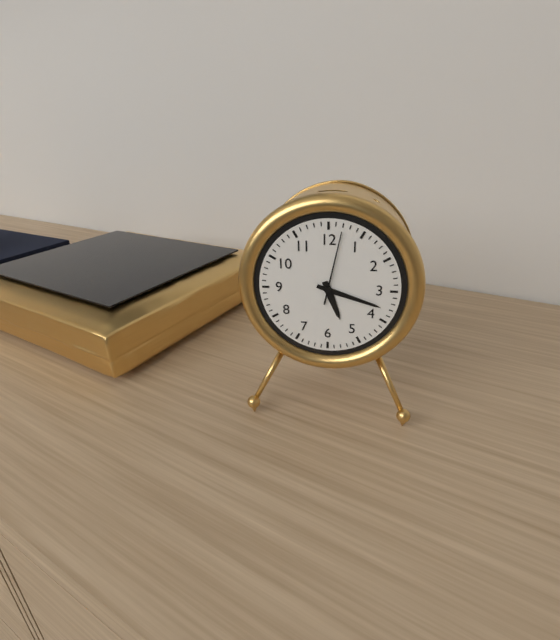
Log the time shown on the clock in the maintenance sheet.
5:18:02
